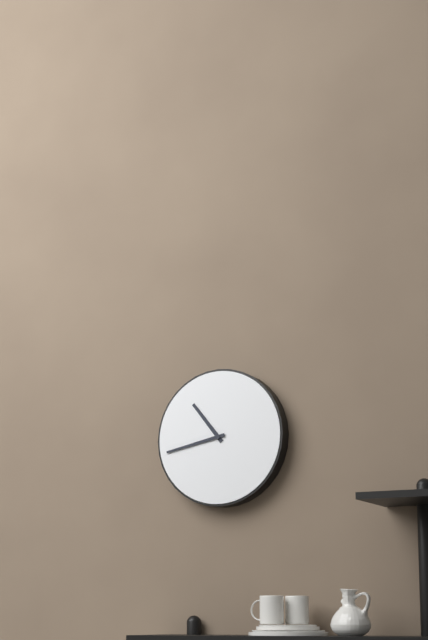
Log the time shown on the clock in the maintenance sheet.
10:43
